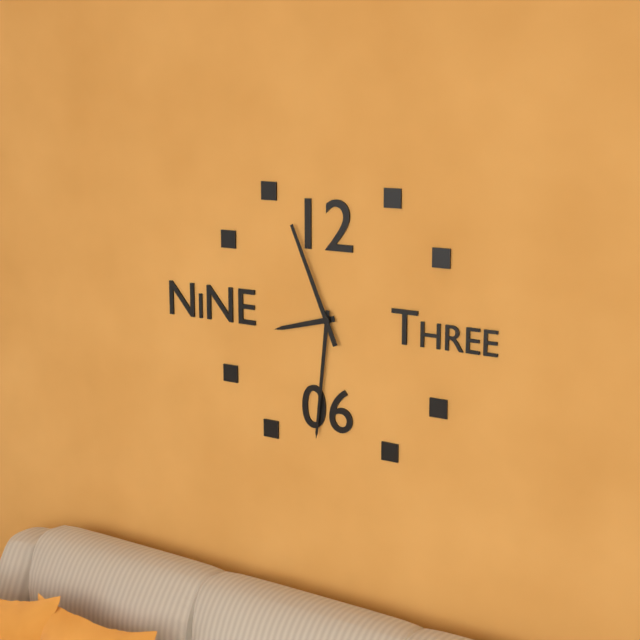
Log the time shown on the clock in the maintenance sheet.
8:31:56
